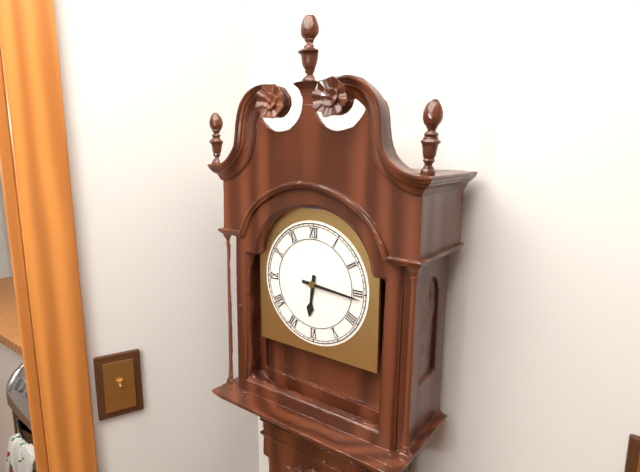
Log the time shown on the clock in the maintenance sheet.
6:16
